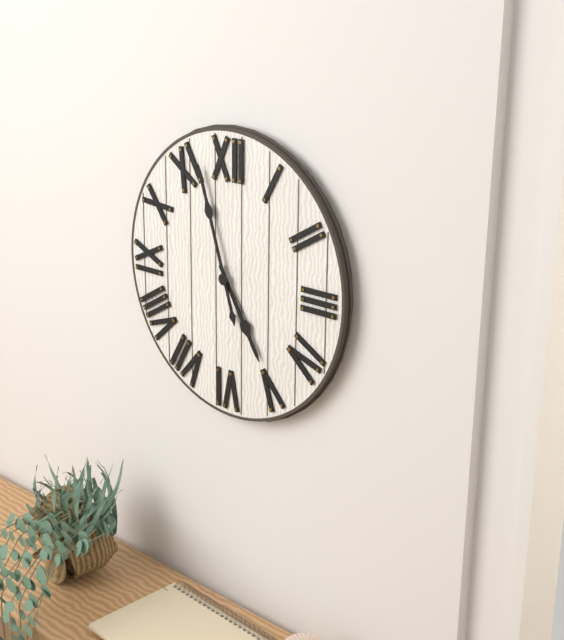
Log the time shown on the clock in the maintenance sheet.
4:57
